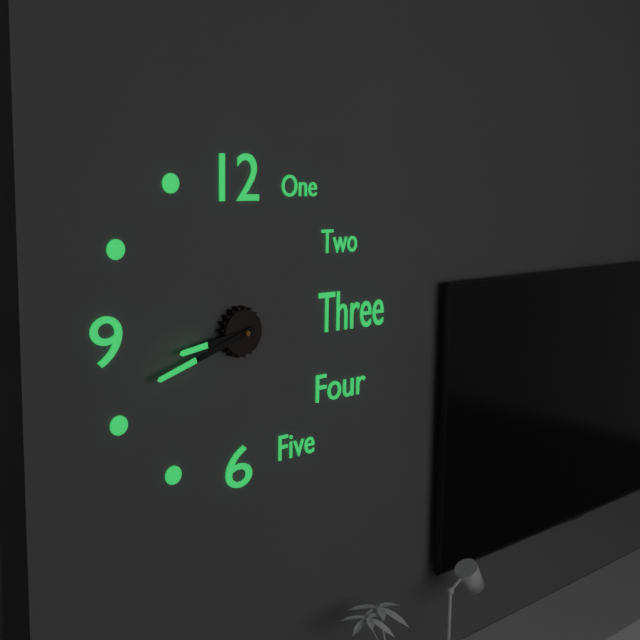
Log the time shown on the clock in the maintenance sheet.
8:42
